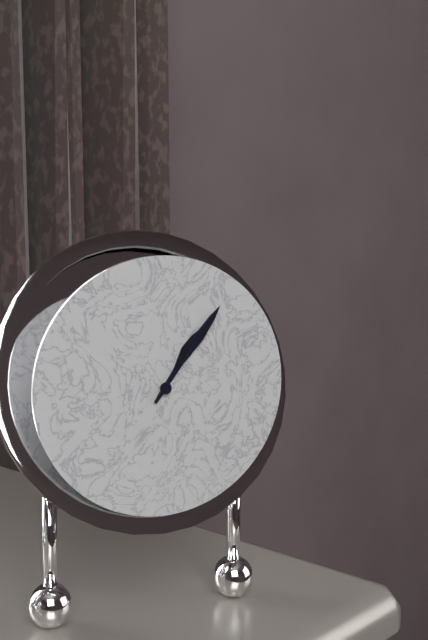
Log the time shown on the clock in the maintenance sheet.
1:06
